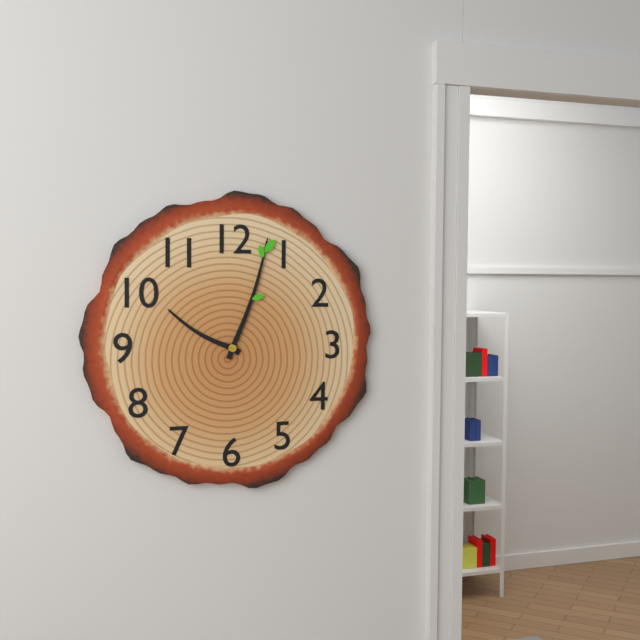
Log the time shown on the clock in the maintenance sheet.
10:03
